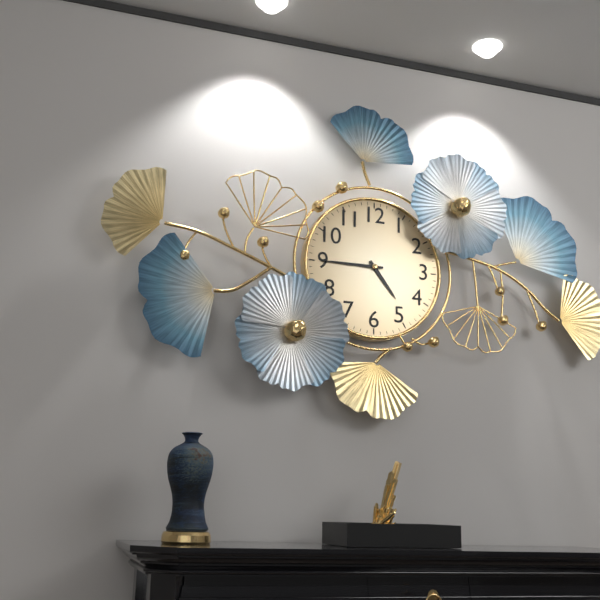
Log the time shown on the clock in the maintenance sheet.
4:45
